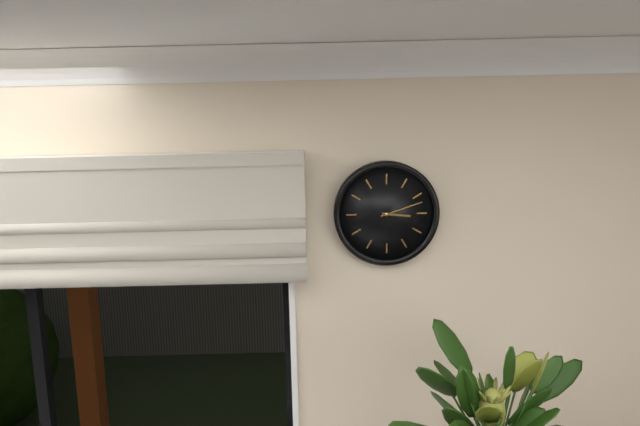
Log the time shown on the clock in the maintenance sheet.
3:12
